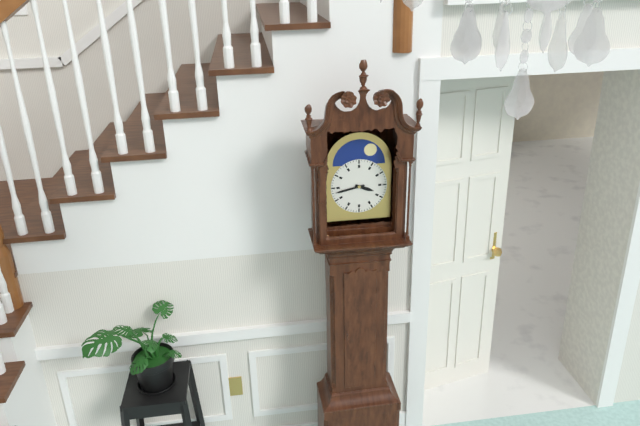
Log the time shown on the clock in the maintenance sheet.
3:43
